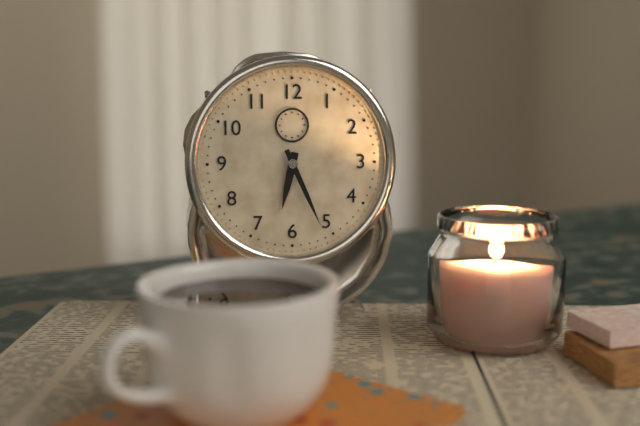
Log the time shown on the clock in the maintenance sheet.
6:26
